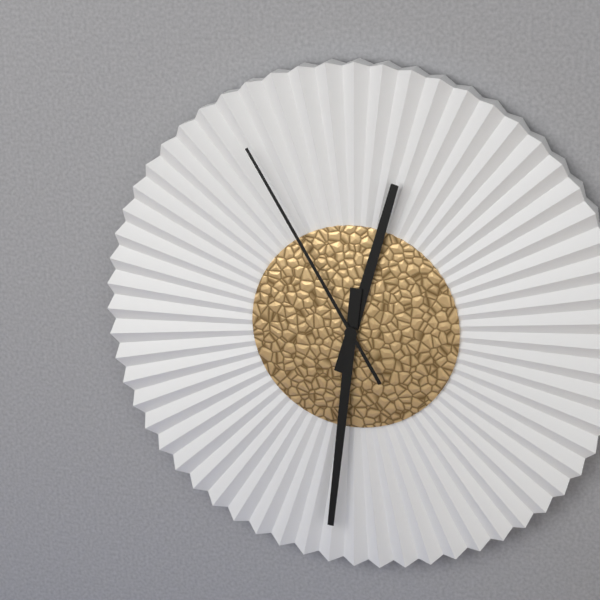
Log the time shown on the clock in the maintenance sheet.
12:31:55
